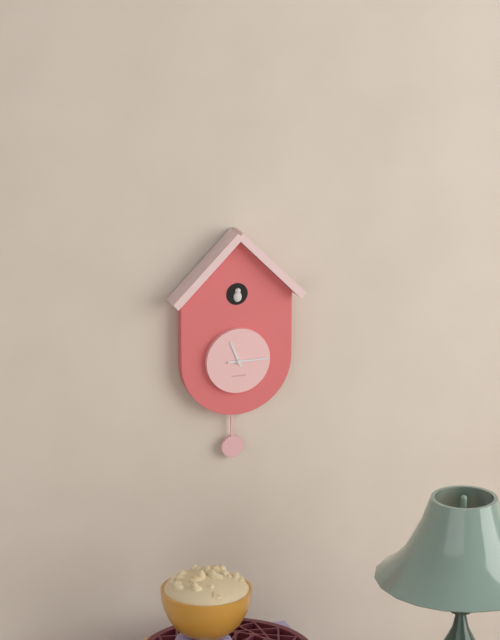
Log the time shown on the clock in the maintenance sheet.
11:15
